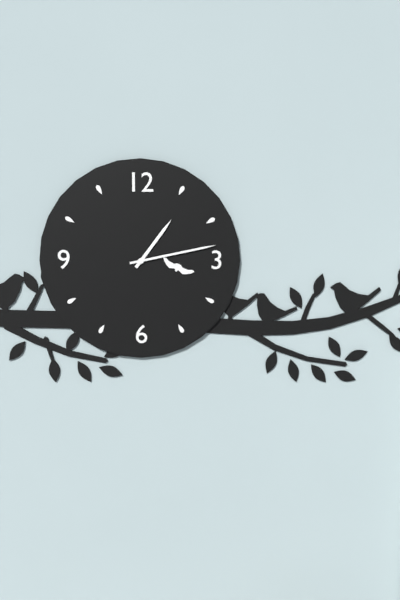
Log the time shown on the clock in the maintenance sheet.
1:13
